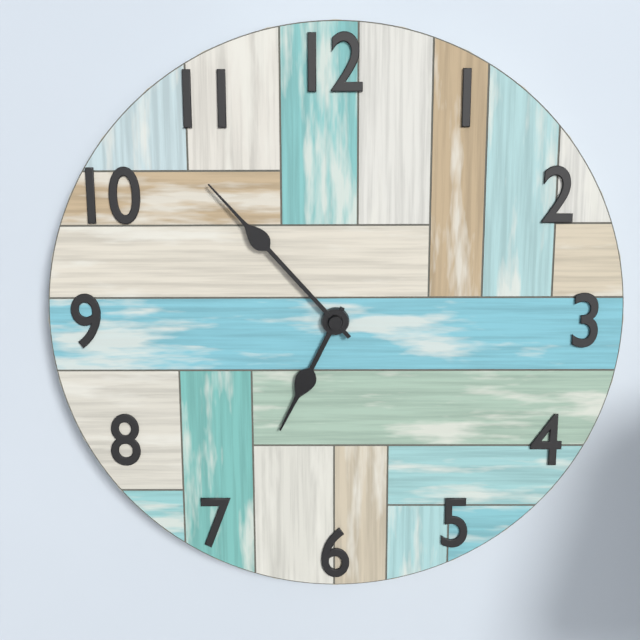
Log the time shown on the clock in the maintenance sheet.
6:53
